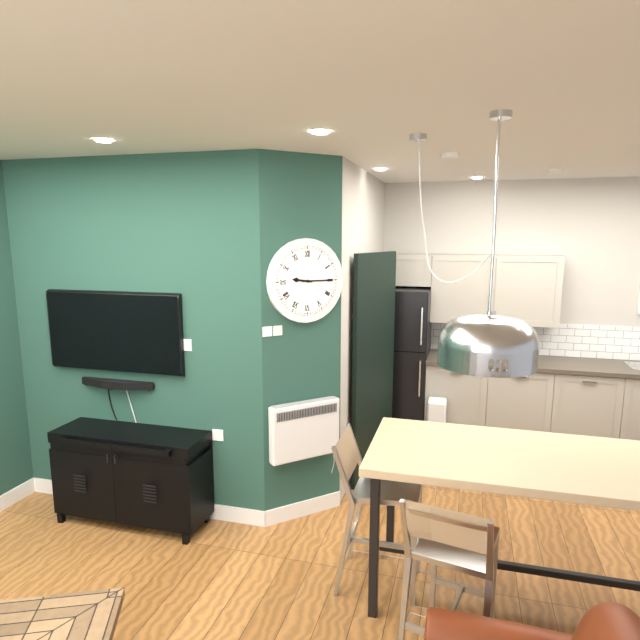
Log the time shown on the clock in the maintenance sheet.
9:15
